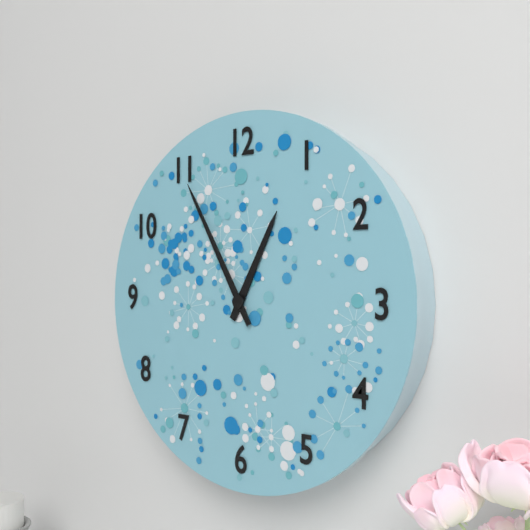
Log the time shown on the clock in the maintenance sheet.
12:55
